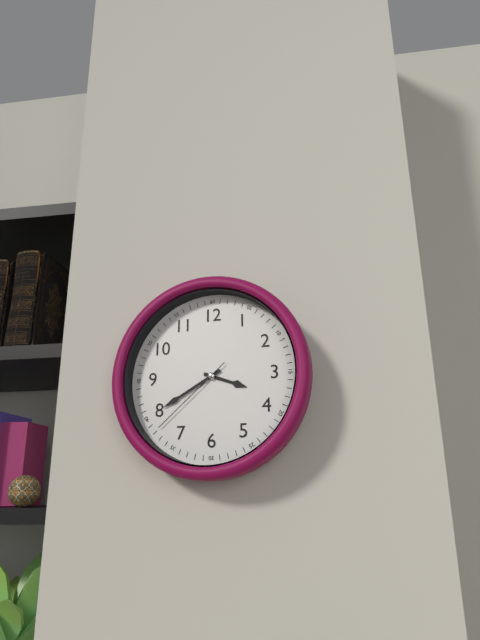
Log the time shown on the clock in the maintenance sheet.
3:40:38
